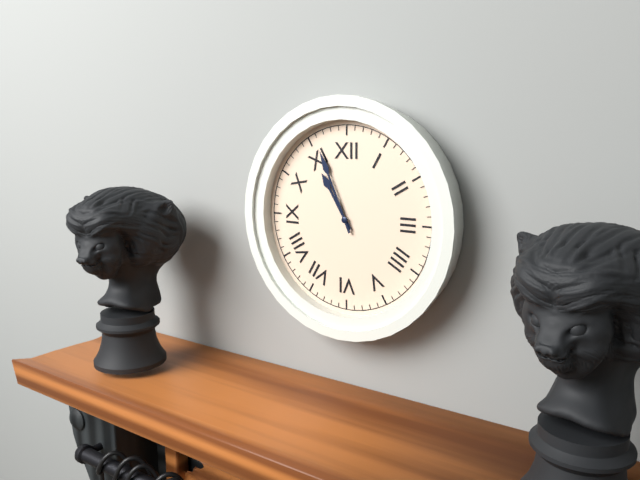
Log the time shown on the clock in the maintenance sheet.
10:56
